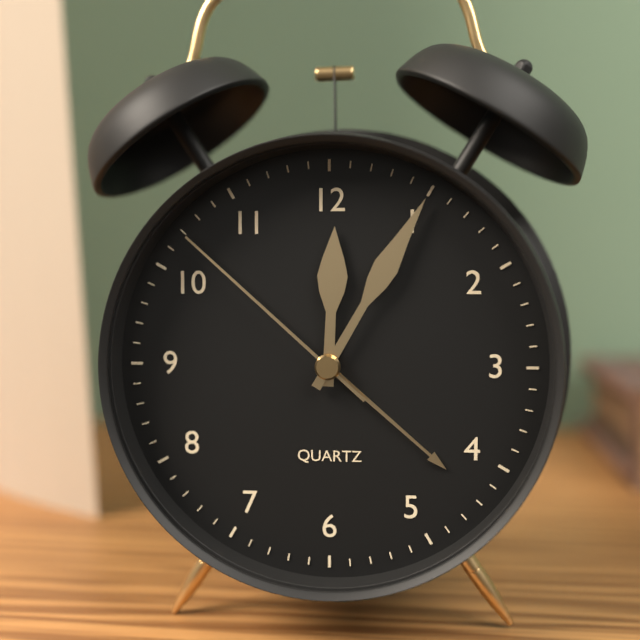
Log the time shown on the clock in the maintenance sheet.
12:05:52
